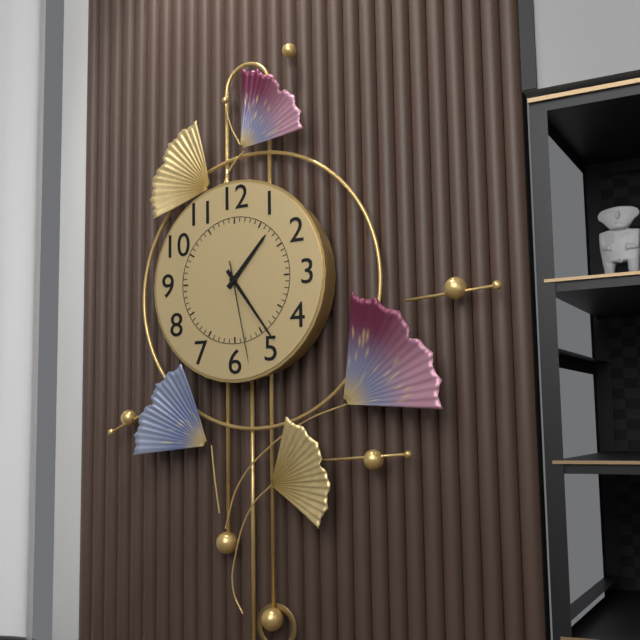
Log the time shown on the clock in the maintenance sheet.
1:24:28
